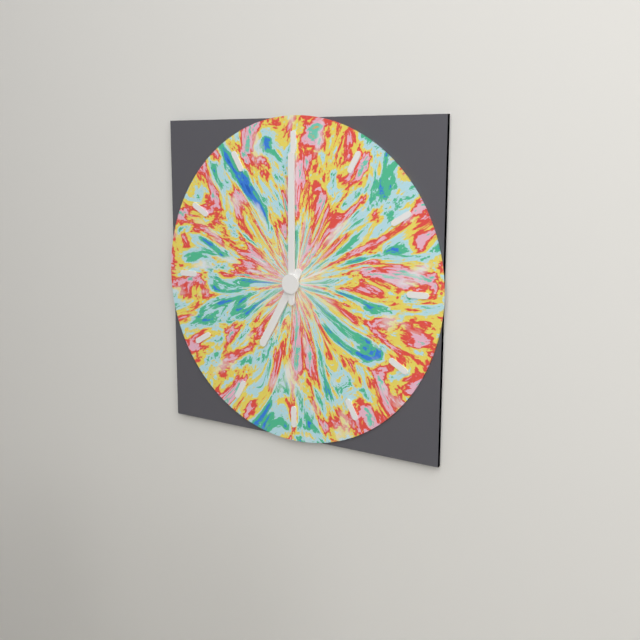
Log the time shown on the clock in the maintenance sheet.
7:00
